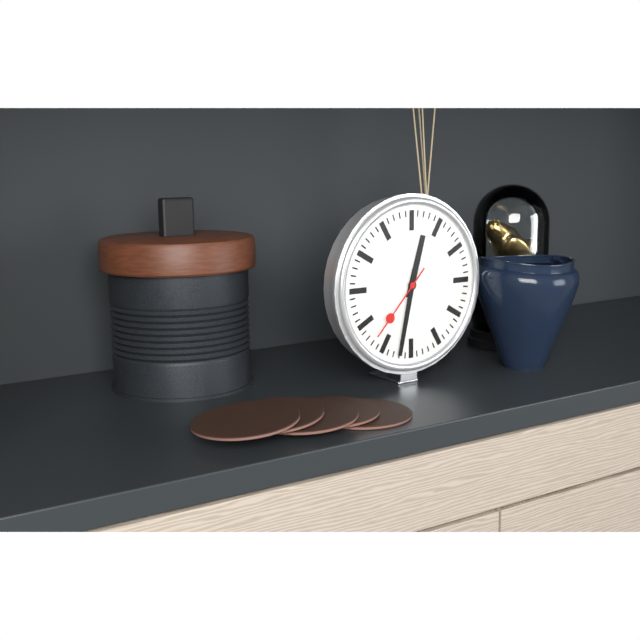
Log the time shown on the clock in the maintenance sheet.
12:32:37
